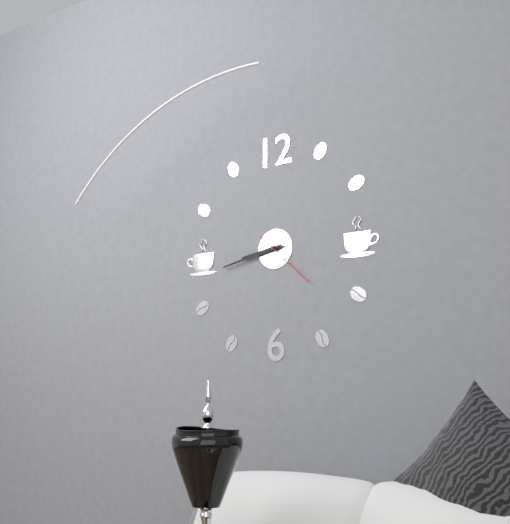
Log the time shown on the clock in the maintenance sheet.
8:43:22
